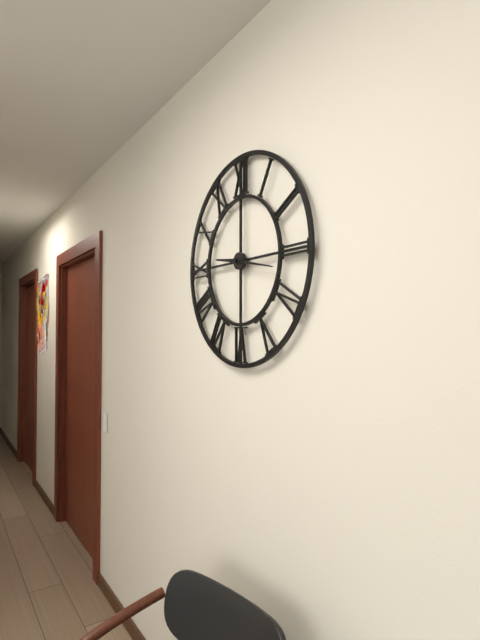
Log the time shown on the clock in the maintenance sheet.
9:17
